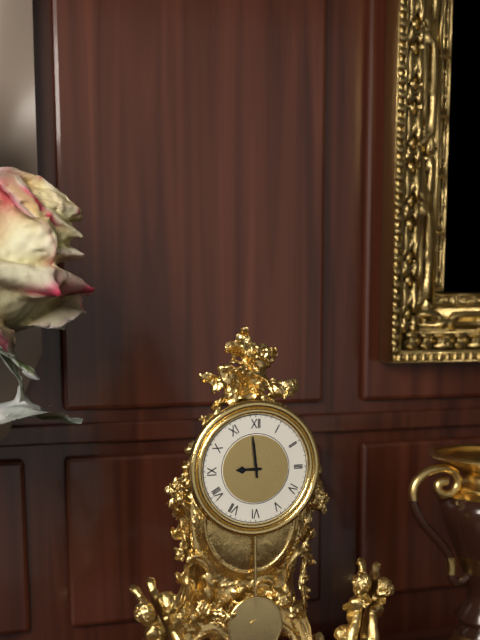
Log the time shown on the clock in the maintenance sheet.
8:59
